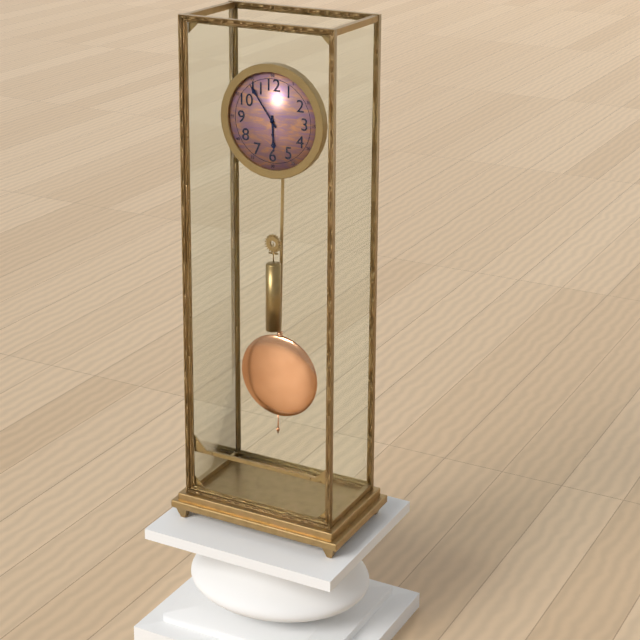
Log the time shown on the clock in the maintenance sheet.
5:54
